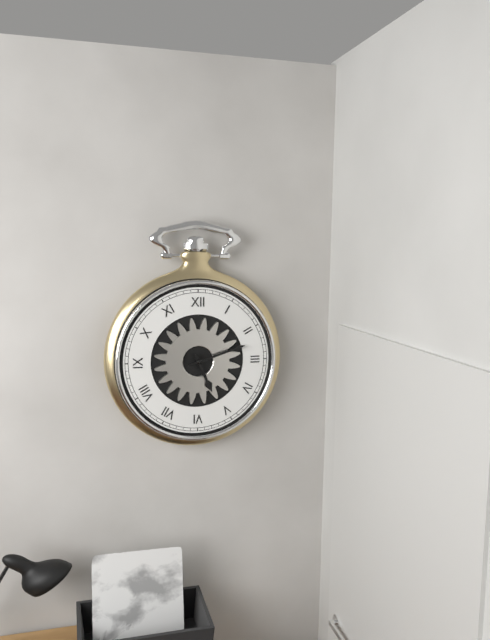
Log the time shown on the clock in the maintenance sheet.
5:12
